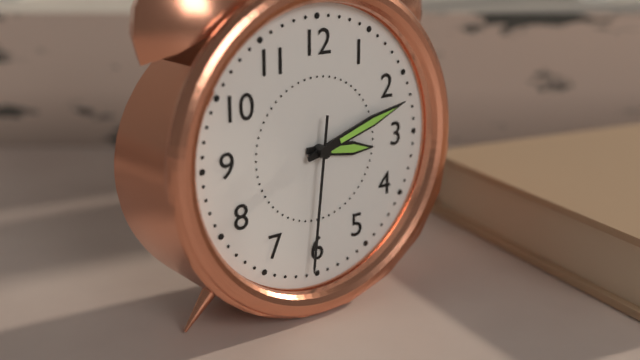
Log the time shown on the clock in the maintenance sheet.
3:12:31
